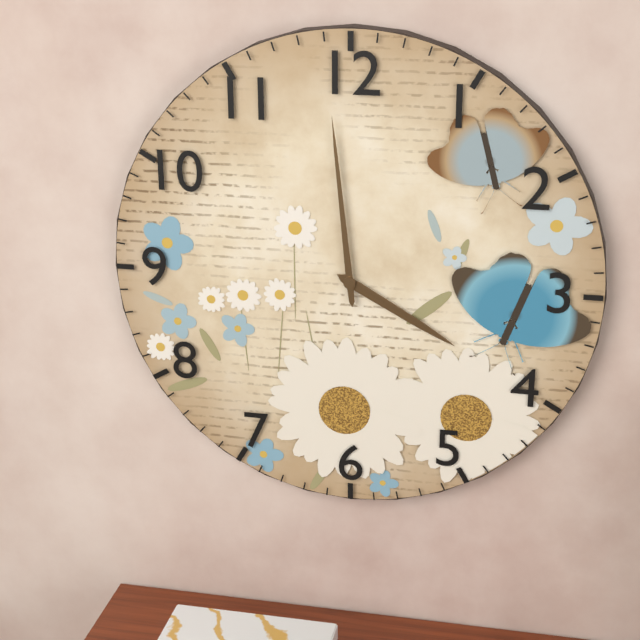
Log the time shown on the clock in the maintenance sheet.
3:59
